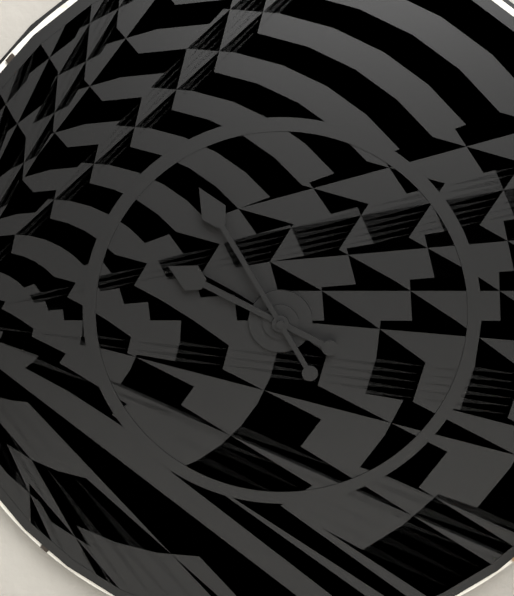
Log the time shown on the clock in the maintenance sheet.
9:55
